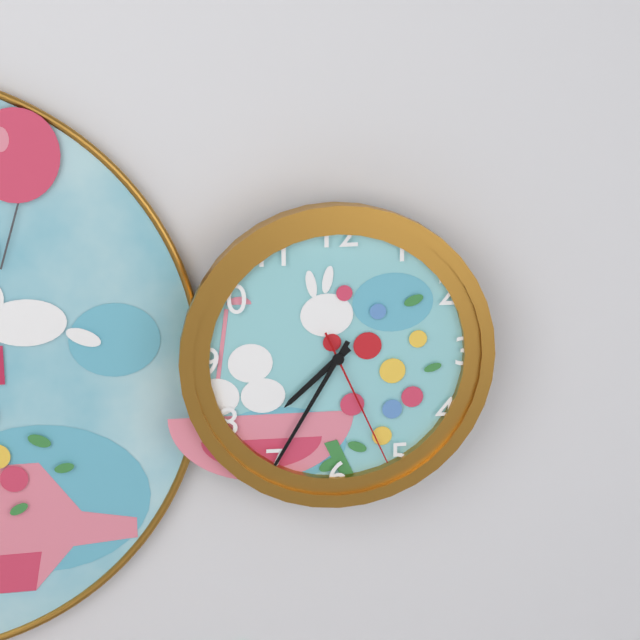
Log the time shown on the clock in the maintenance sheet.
7:35:26
